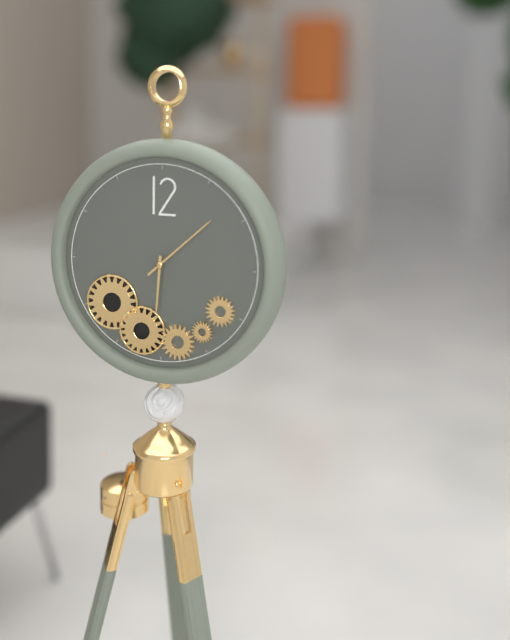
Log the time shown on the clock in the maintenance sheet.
6:08
